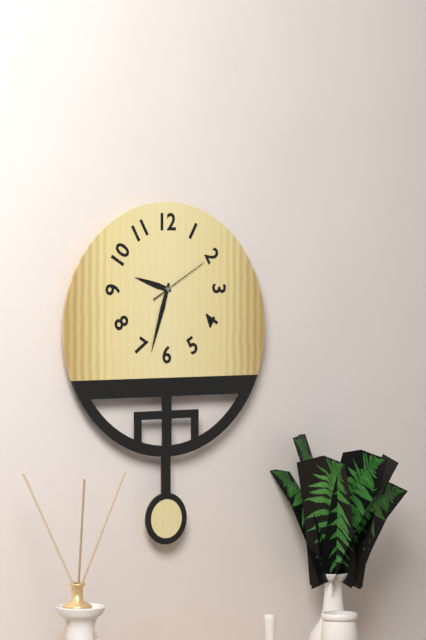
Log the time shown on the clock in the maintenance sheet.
9:33:10
